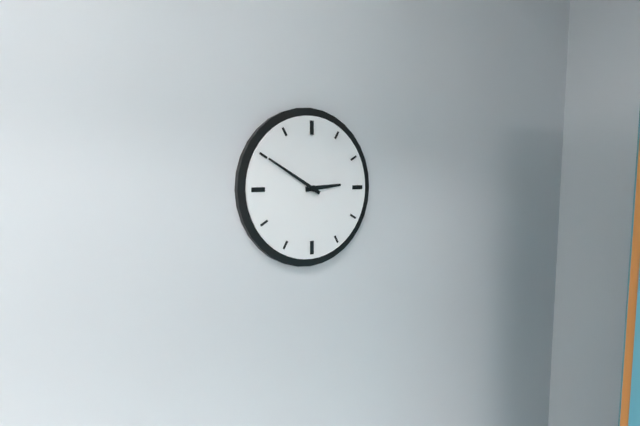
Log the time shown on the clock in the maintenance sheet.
2:50
